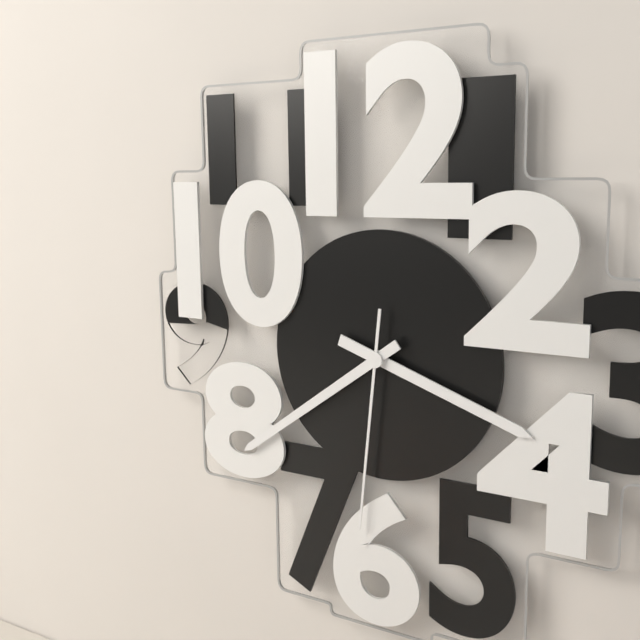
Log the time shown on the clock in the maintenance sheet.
3:39:31
